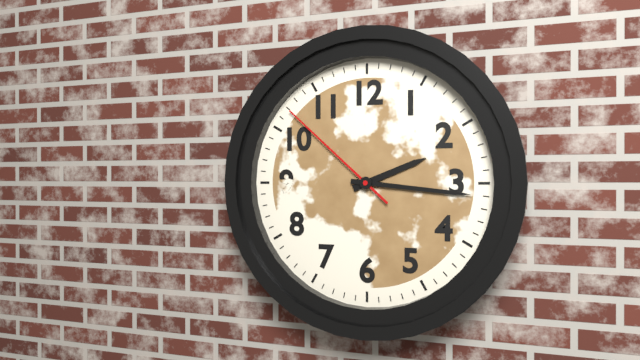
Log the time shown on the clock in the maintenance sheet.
2:16:52
